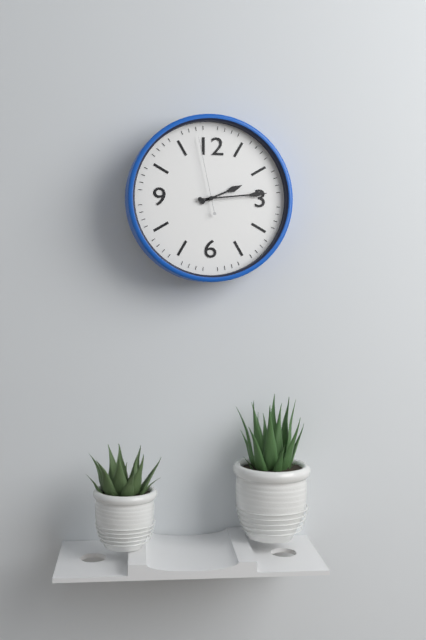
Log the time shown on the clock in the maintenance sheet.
2:14:58
